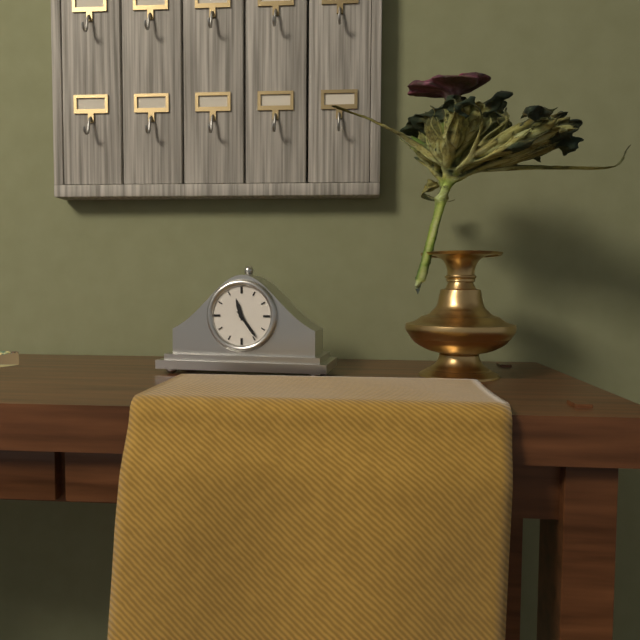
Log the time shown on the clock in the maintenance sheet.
11:24
